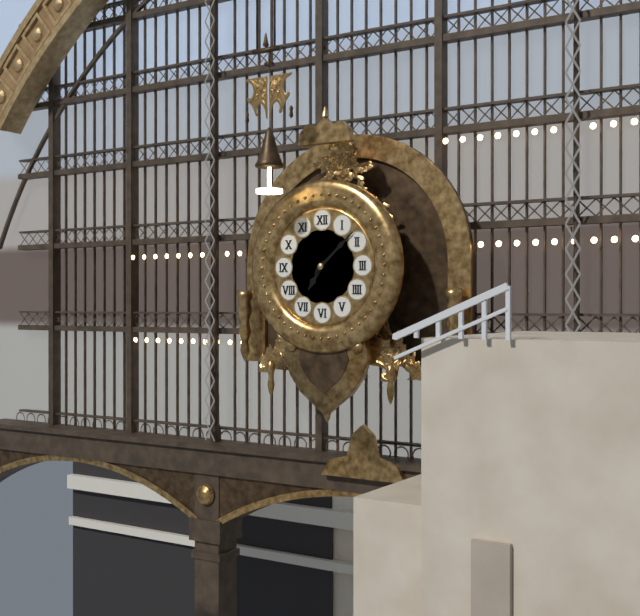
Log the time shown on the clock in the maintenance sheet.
7:08
